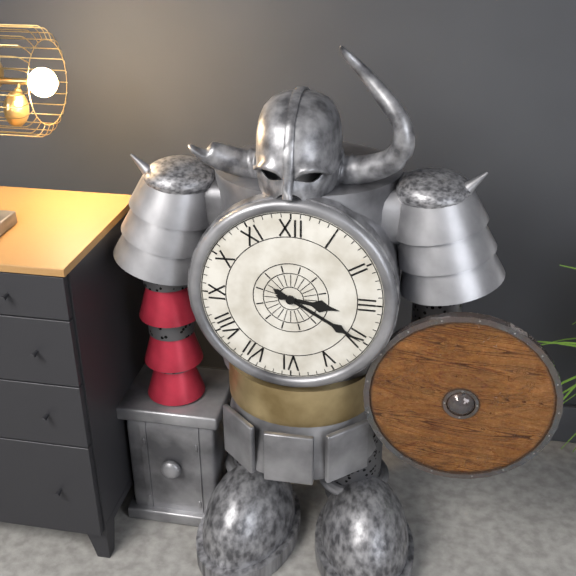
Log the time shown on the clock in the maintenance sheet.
3:20
